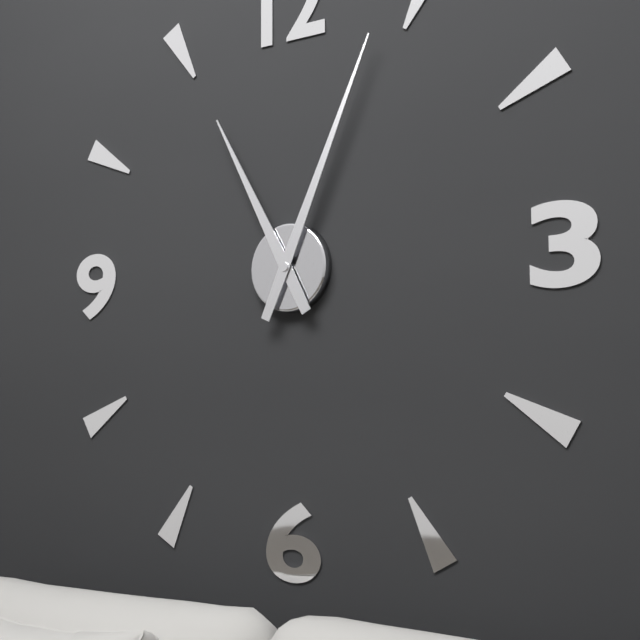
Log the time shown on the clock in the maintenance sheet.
11:04
